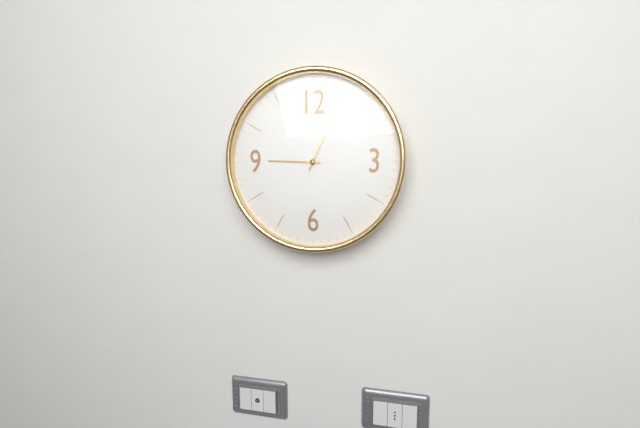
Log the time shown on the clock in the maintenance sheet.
9:04
